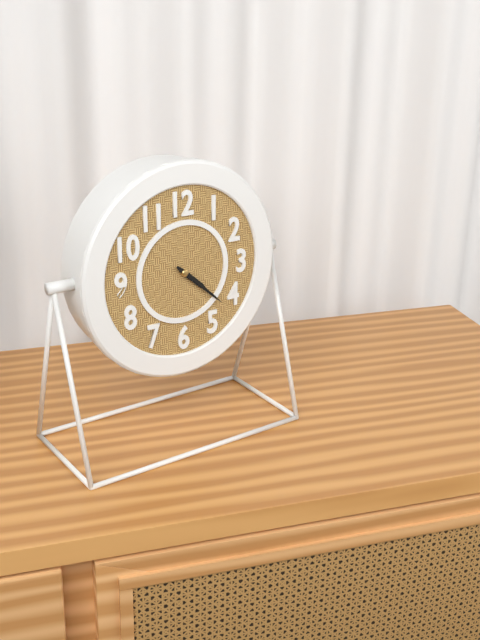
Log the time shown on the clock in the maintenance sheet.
4:22
